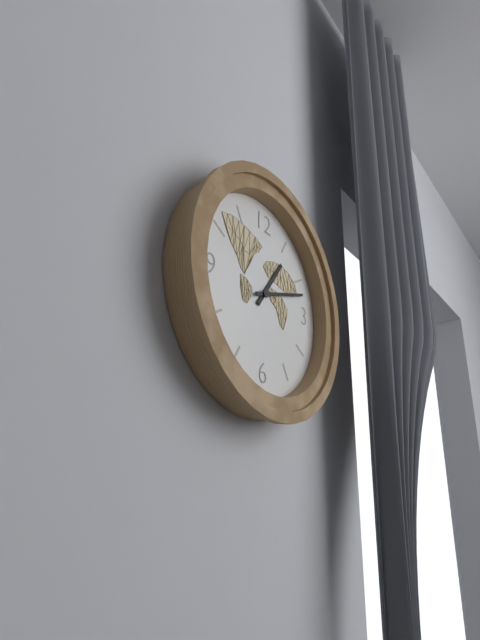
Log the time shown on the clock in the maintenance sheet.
1:12
